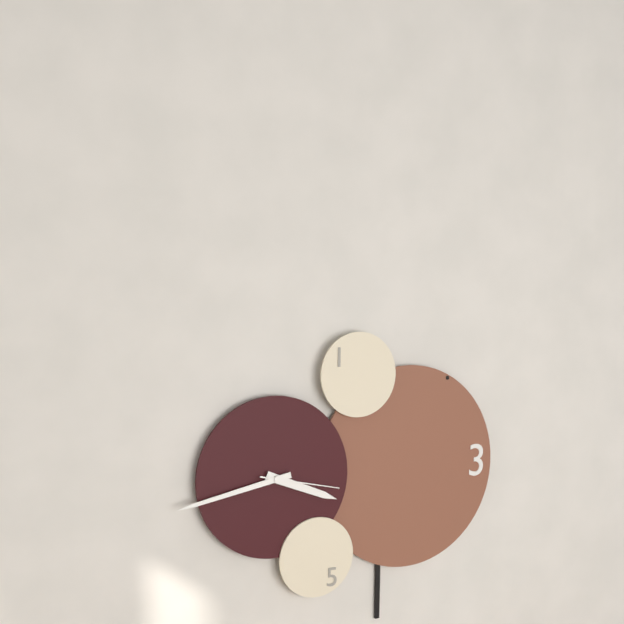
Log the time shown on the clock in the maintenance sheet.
3:43:17
